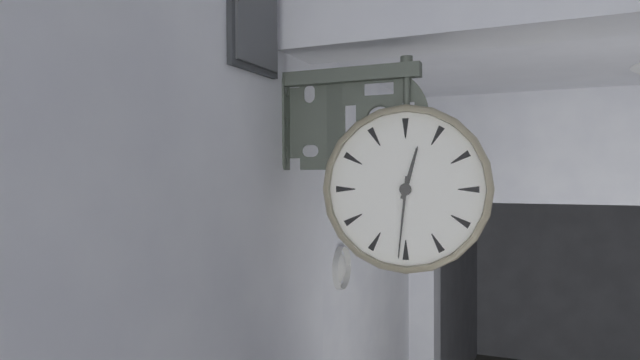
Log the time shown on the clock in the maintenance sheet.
12:31
